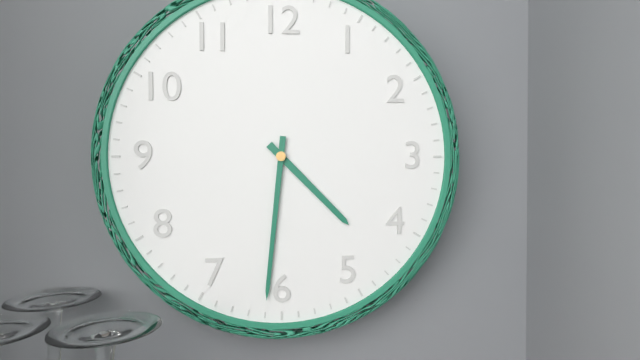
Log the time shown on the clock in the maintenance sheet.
4:31
